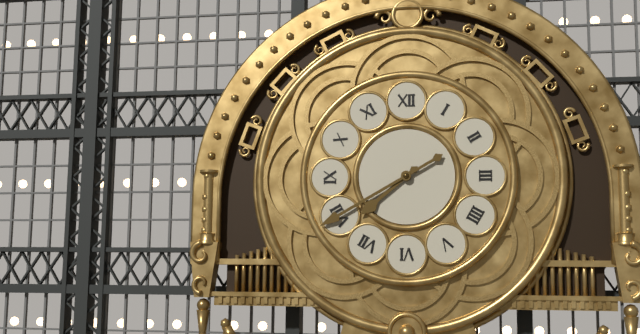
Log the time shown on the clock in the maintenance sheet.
7:40
